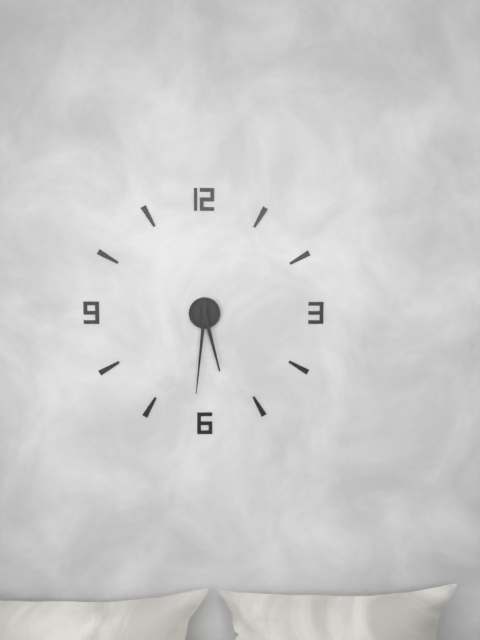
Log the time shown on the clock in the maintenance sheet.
5:31
